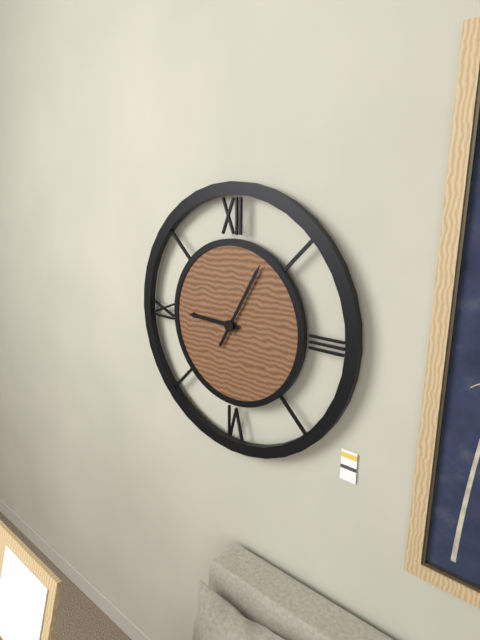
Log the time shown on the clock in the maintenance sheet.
9:05
